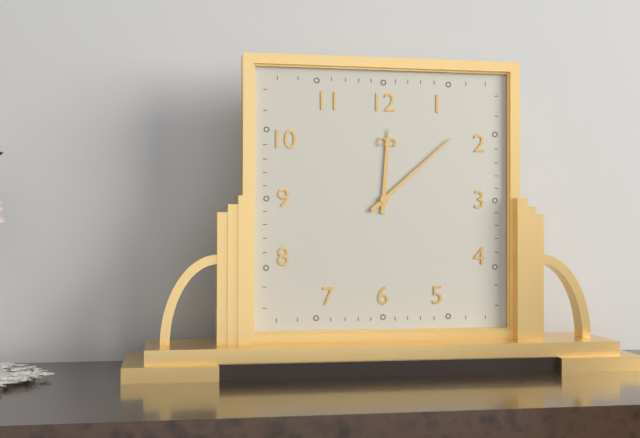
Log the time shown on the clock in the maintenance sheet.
12:08
